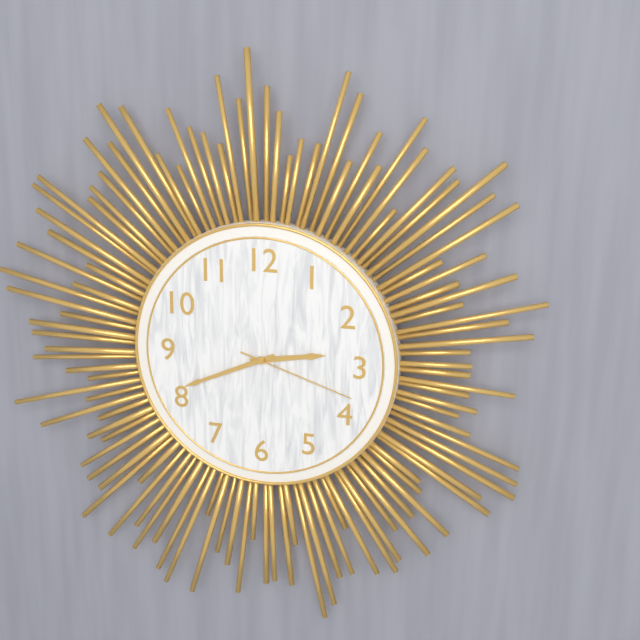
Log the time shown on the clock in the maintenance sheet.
2:41:18
